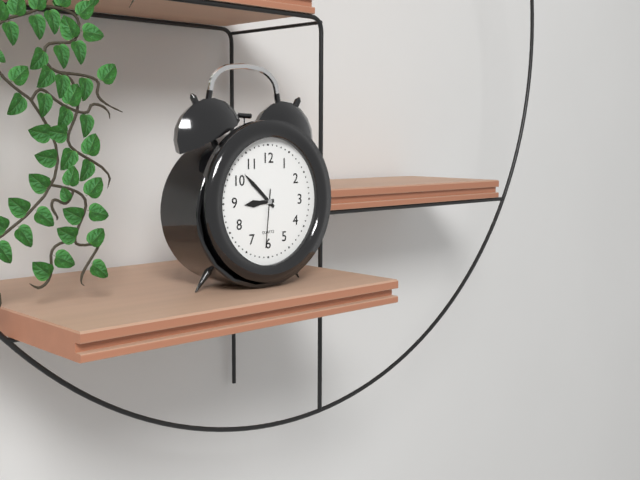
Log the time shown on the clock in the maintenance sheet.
8:52:31
